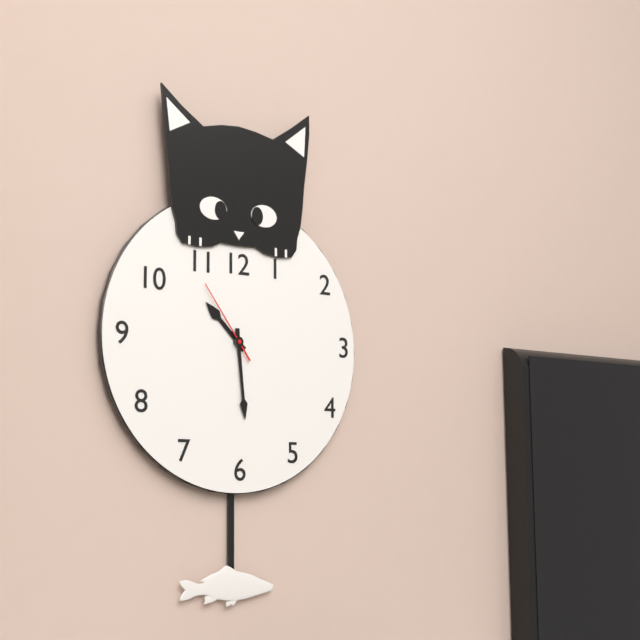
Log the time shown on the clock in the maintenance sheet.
10:29:54
